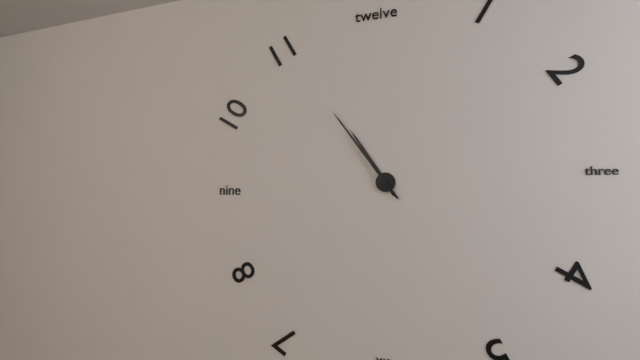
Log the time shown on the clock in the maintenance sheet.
10:54
